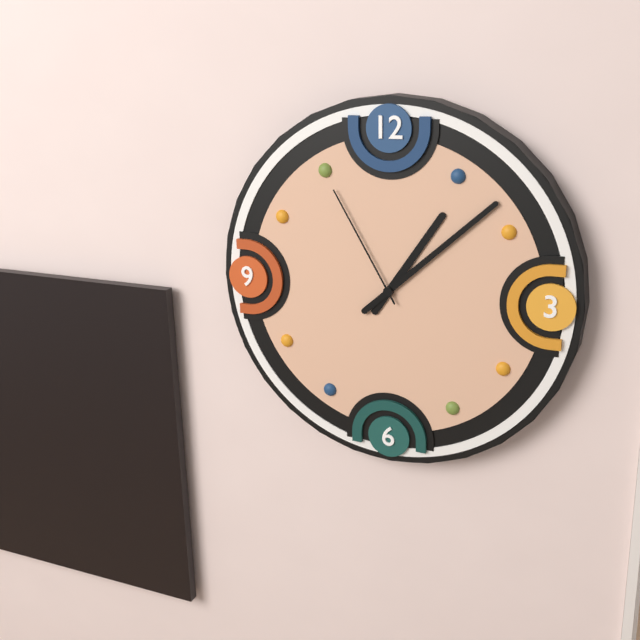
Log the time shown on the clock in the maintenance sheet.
1:08:55
